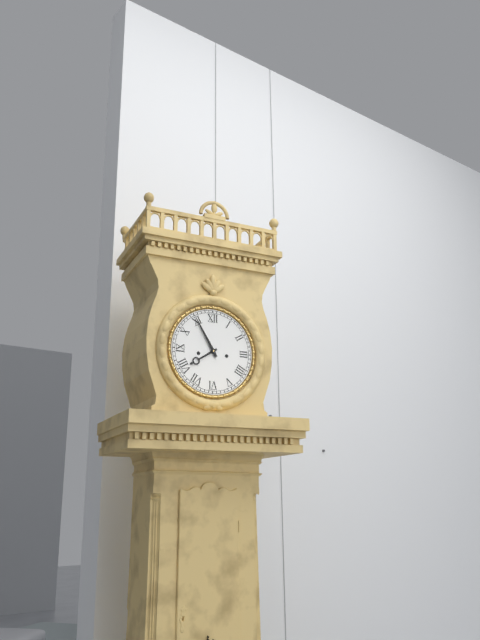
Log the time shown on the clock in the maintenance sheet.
7:55
